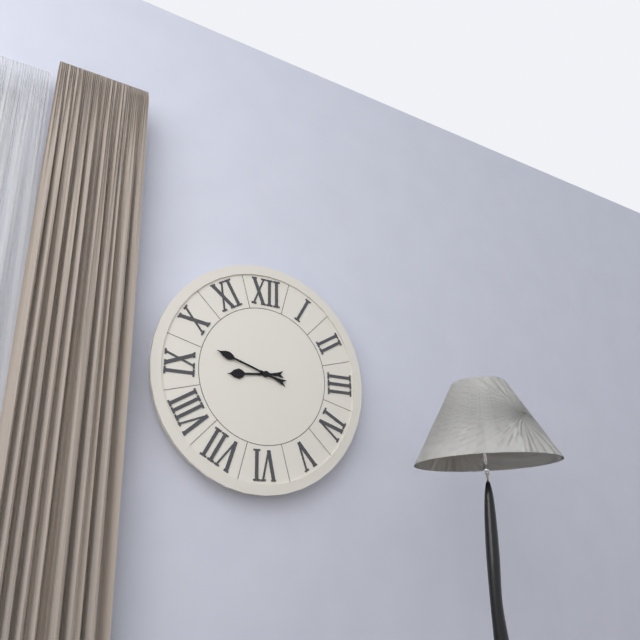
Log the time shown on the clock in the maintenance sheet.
8:48
